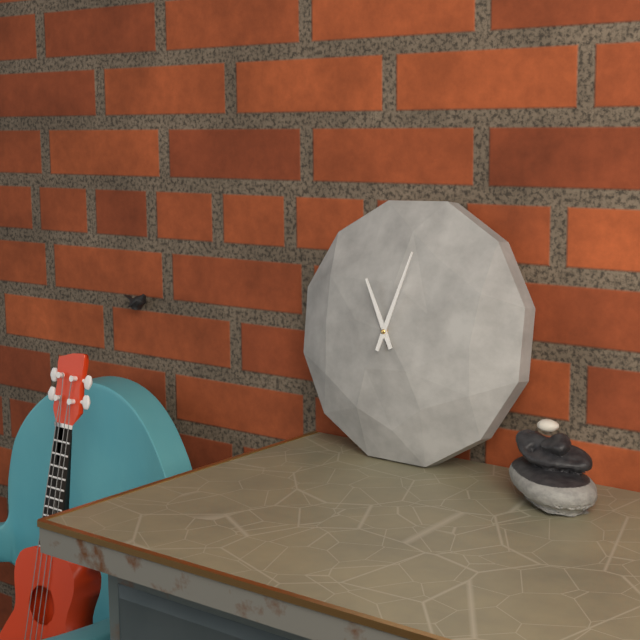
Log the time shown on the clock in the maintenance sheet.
11:03
